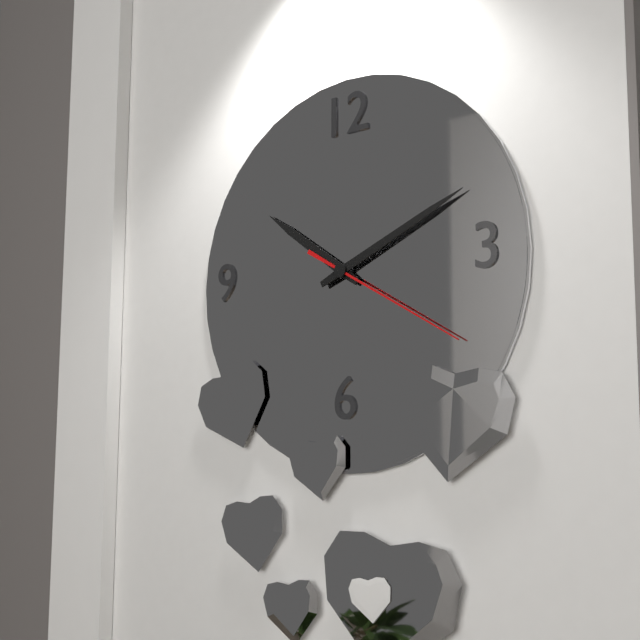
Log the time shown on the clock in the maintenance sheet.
10:11:20
